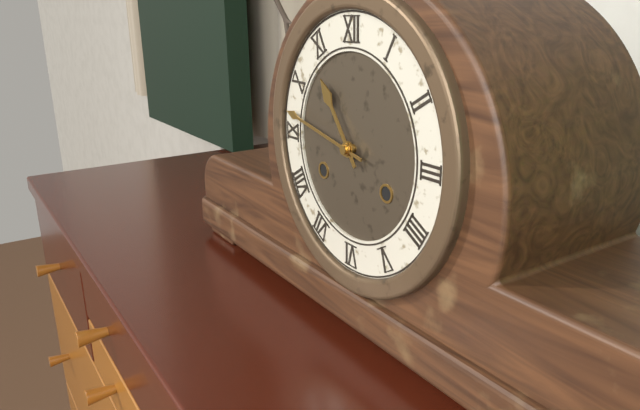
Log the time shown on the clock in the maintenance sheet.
10:47
